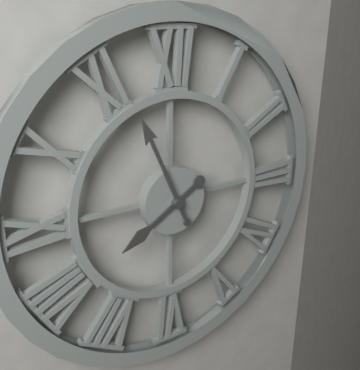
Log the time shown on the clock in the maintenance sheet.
7:56
